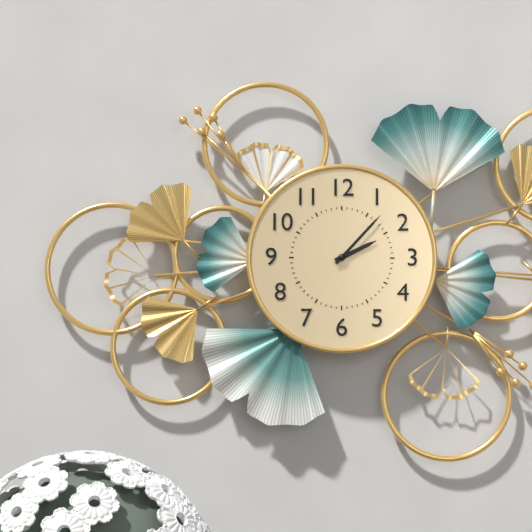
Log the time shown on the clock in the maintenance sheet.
2:07
